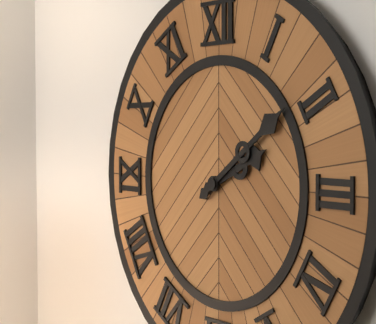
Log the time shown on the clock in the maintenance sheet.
2:09
